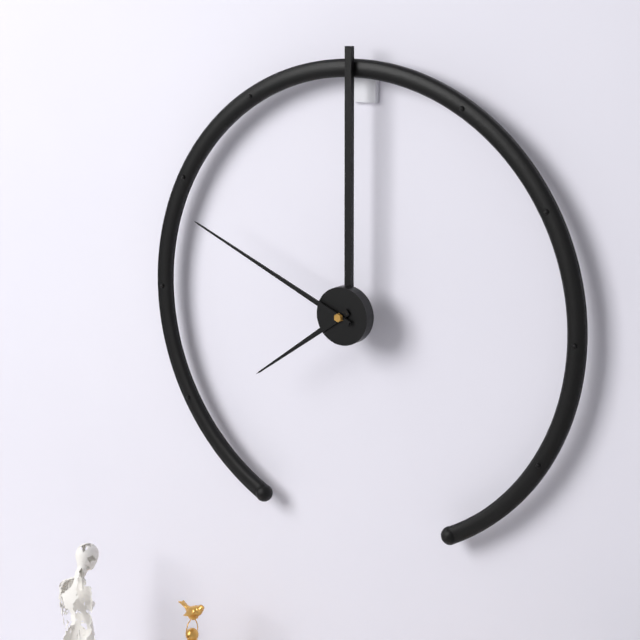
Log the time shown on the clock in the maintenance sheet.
7:49
